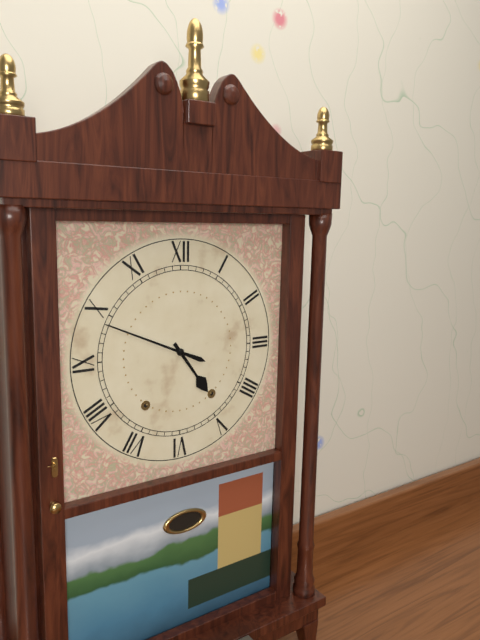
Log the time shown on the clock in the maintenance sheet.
4:49
